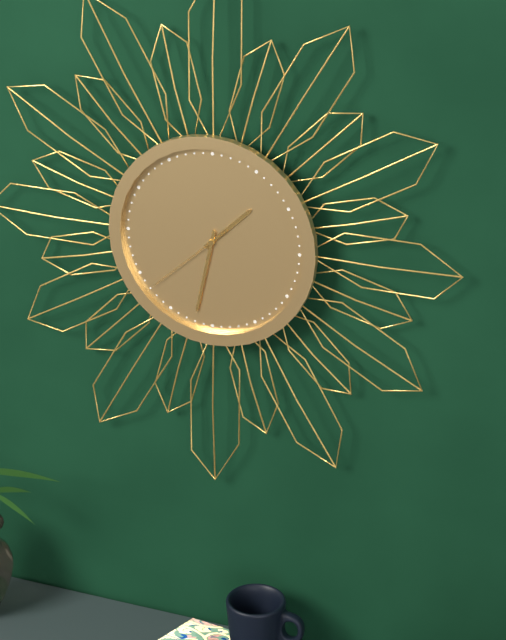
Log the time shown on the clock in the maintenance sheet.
1:32:38
